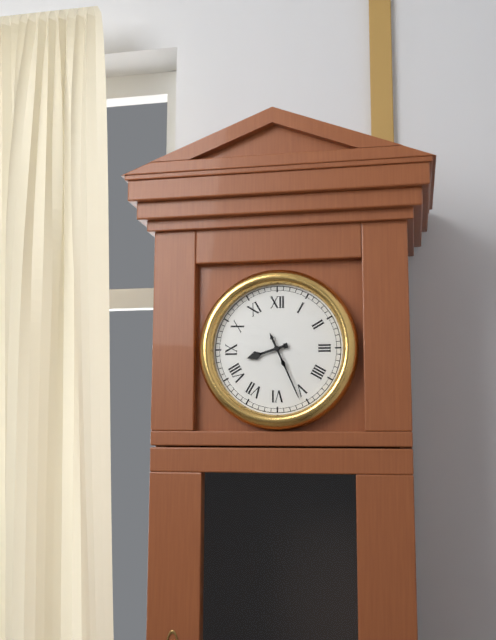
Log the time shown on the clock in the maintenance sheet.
8:26
